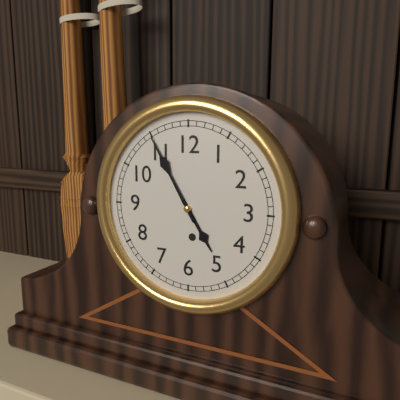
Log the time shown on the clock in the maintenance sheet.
4:55
